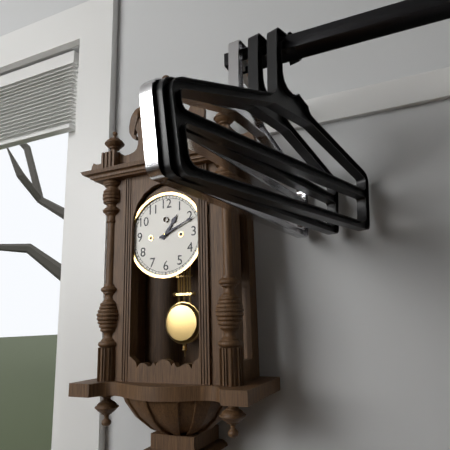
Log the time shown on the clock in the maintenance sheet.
1:11
